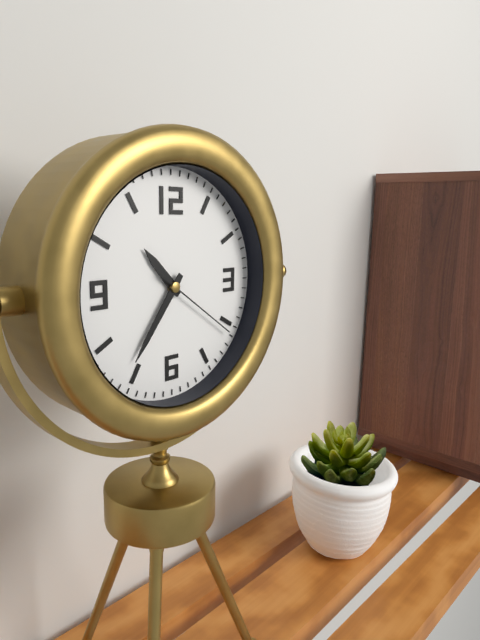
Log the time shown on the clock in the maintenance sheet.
10:36:21
